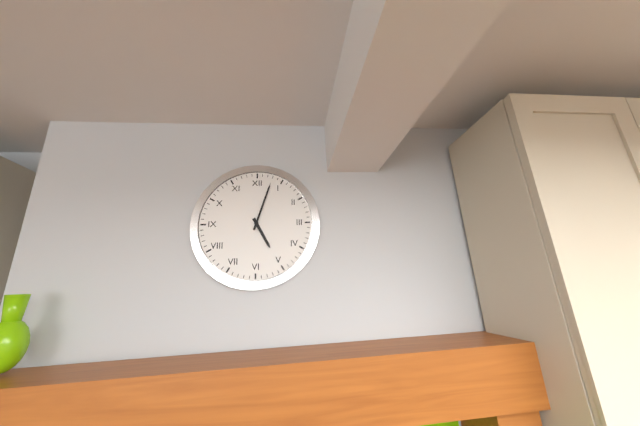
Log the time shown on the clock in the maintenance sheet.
5:03
